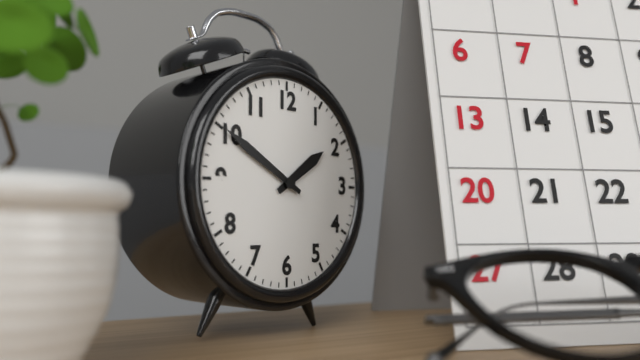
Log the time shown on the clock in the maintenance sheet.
1:50
